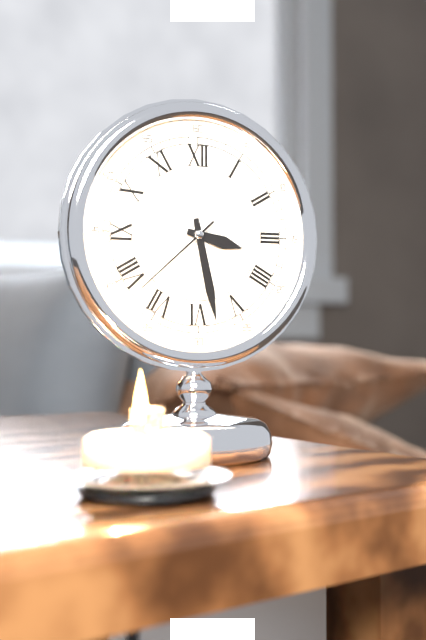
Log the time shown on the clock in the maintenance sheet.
3:28:38
